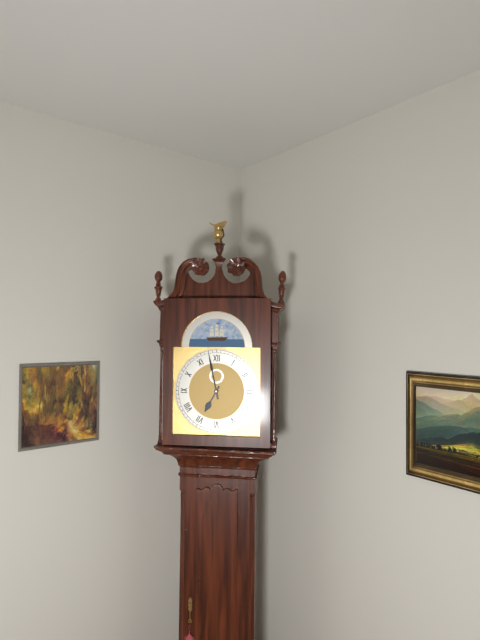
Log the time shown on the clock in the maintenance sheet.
6:58
